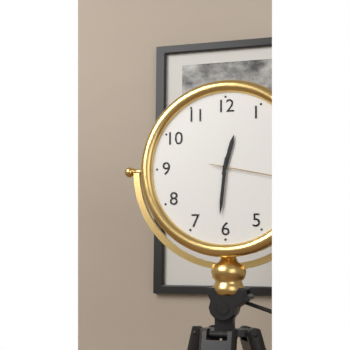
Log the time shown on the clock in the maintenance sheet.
12:31:17
